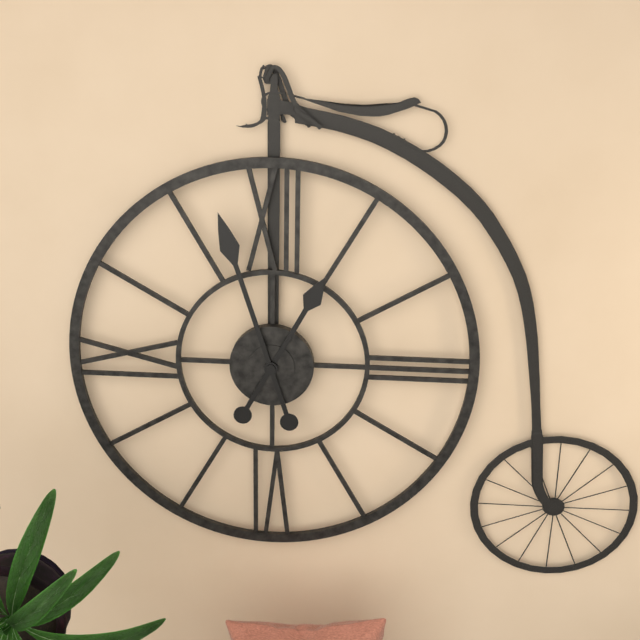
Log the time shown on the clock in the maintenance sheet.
12:57
